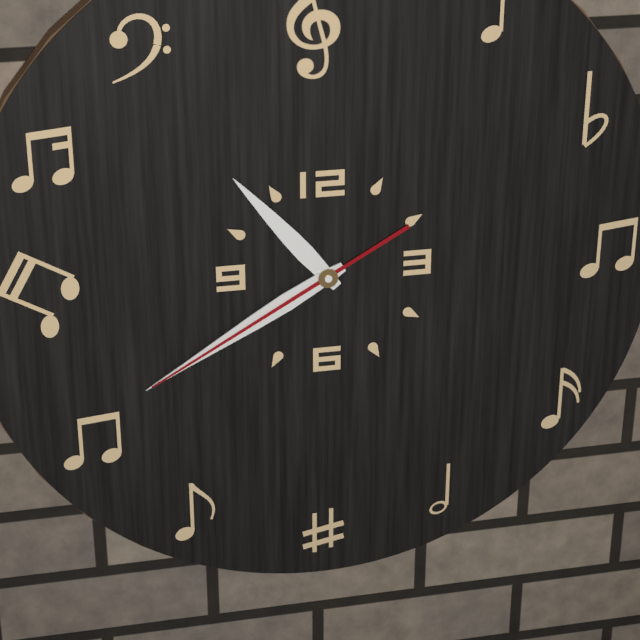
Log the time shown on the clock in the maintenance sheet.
10:40:40
